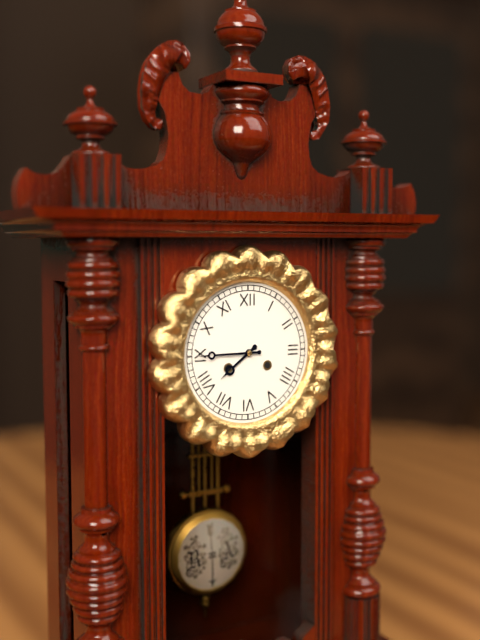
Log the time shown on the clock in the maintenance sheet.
7:45
